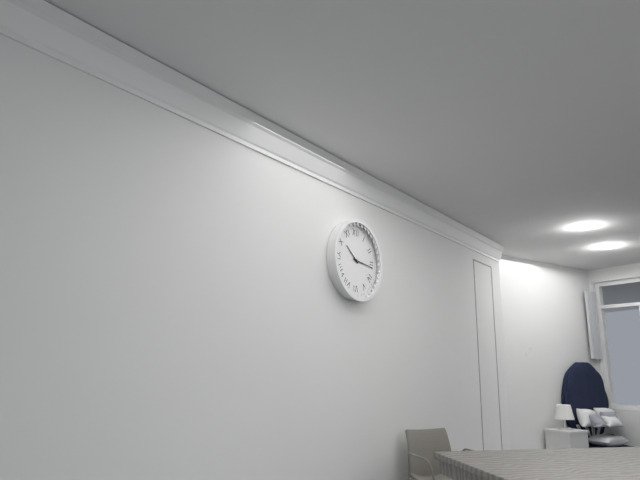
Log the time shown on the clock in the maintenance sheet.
10:16
